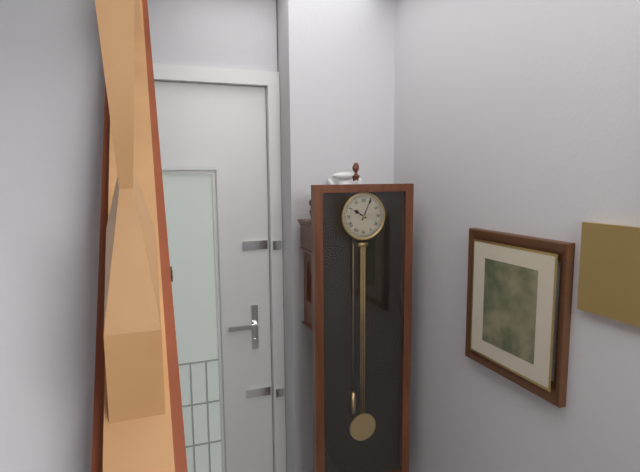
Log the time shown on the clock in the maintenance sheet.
10:04
